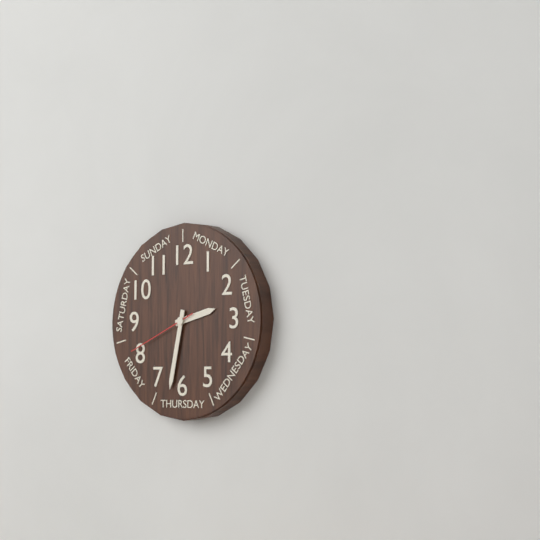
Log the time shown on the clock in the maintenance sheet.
2:32:41
